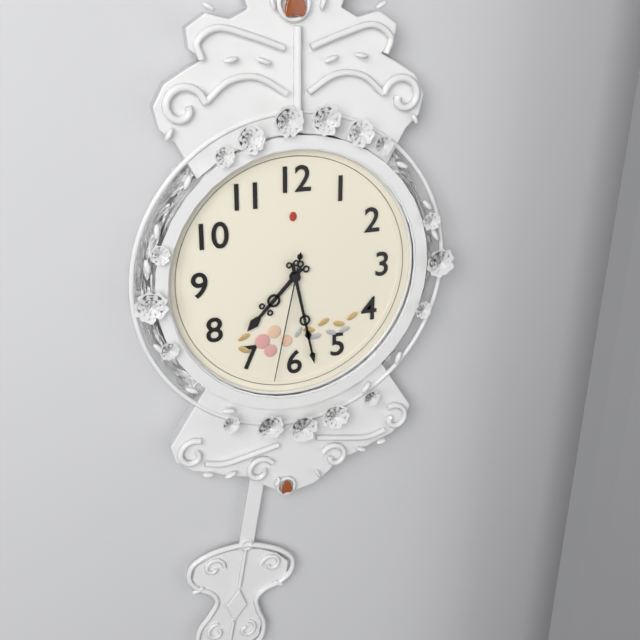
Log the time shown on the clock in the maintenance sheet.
7:28:32
